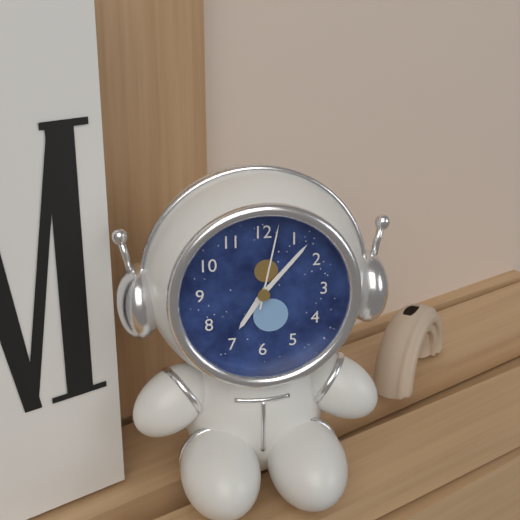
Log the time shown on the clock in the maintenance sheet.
7:07:02
